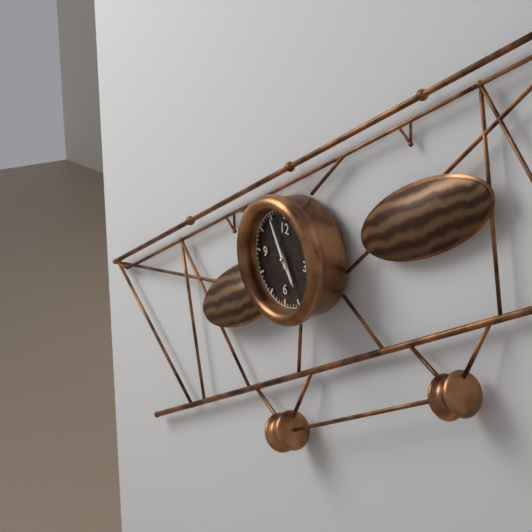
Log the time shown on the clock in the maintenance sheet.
4:55
